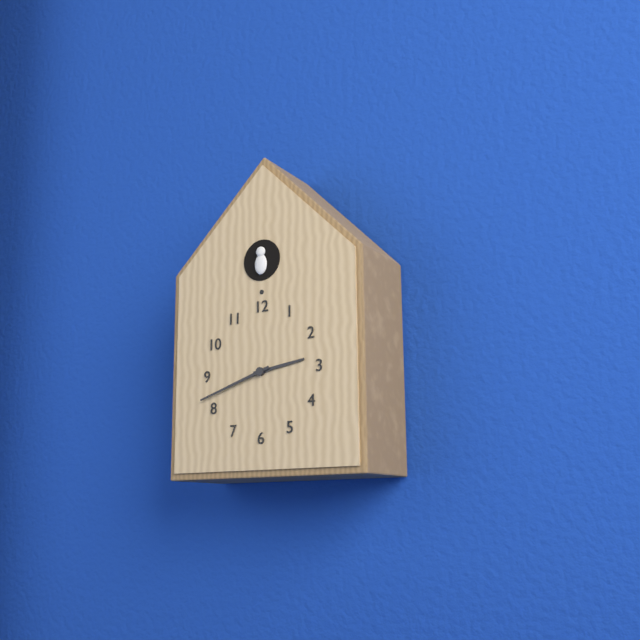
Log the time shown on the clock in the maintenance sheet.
2:42
